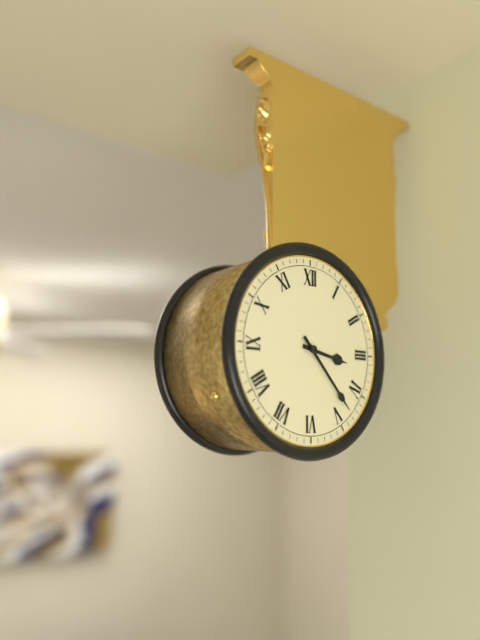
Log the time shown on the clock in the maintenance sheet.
3:23
